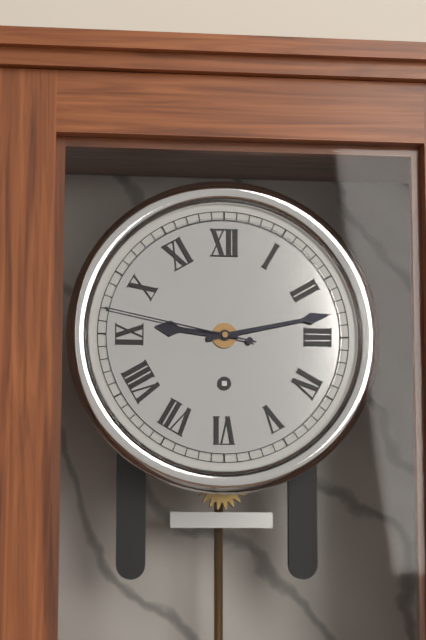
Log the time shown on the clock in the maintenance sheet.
9:13:47
